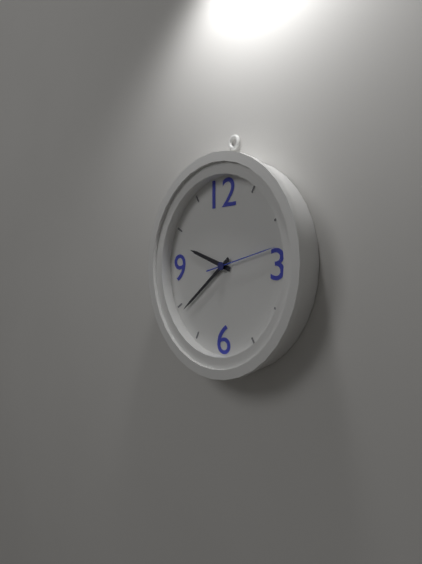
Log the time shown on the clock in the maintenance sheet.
9:39:13
